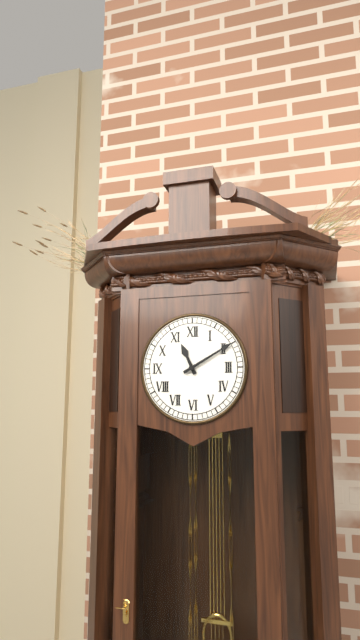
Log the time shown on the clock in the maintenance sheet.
11:10
